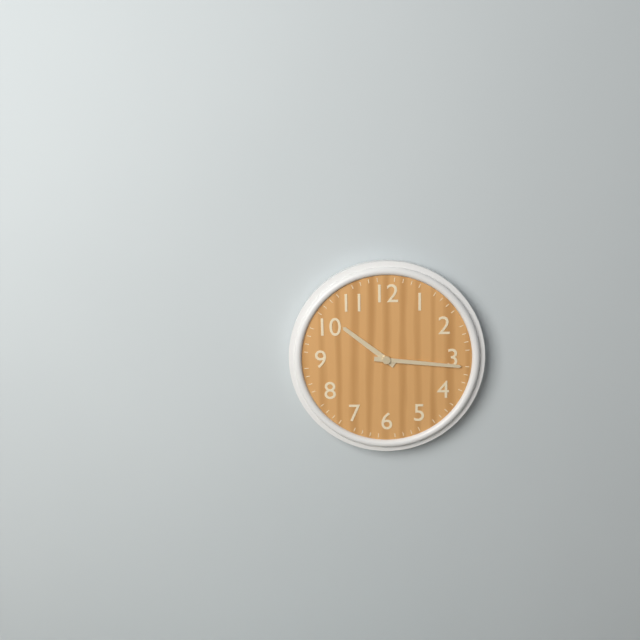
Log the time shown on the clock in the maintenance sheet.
10:16
